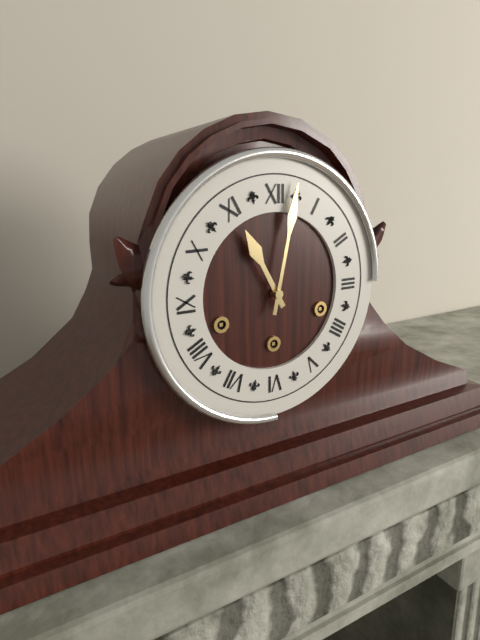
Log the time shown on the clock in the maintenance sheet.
11:02
